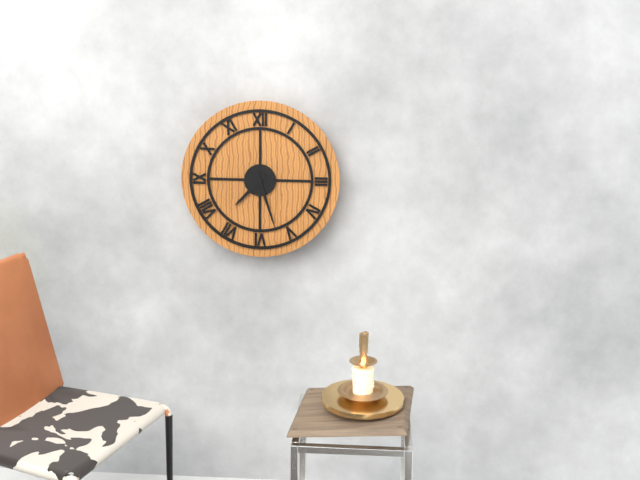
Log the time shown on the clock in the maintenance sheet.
7:27
